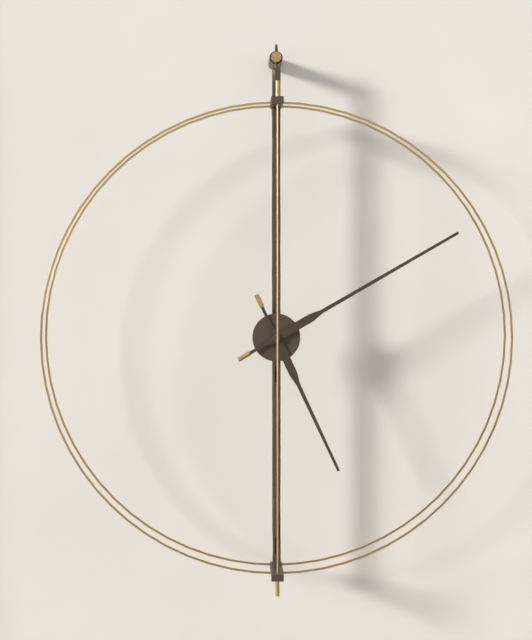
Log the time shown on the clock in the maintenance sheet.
5:10
